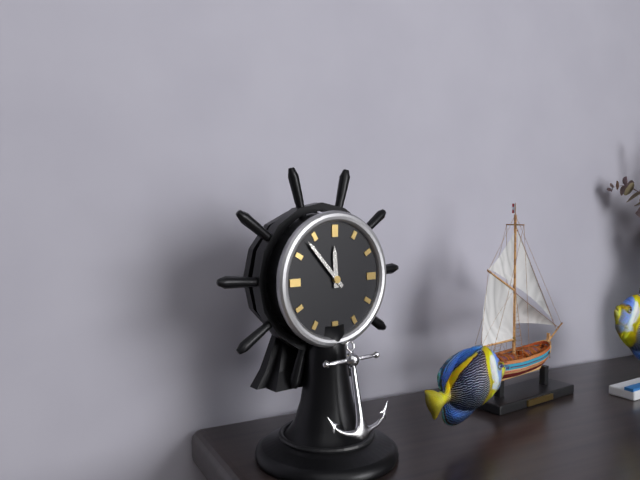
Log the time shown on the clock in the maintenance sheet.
11:53
